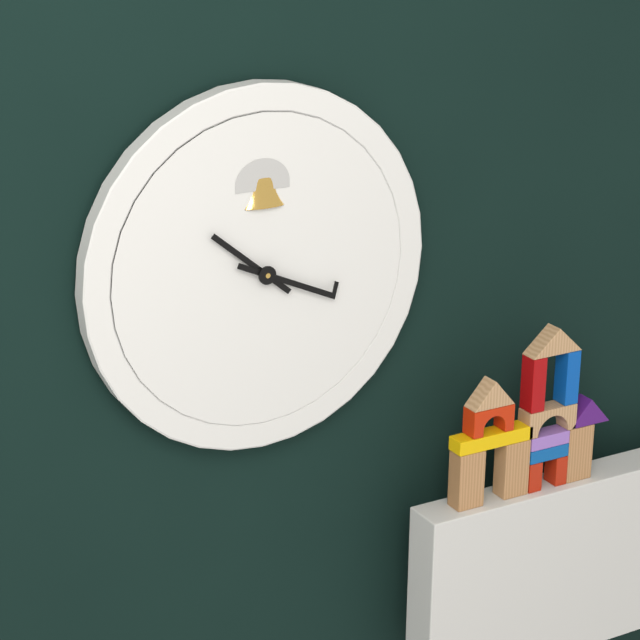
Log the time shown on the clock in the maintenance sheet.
10:19
